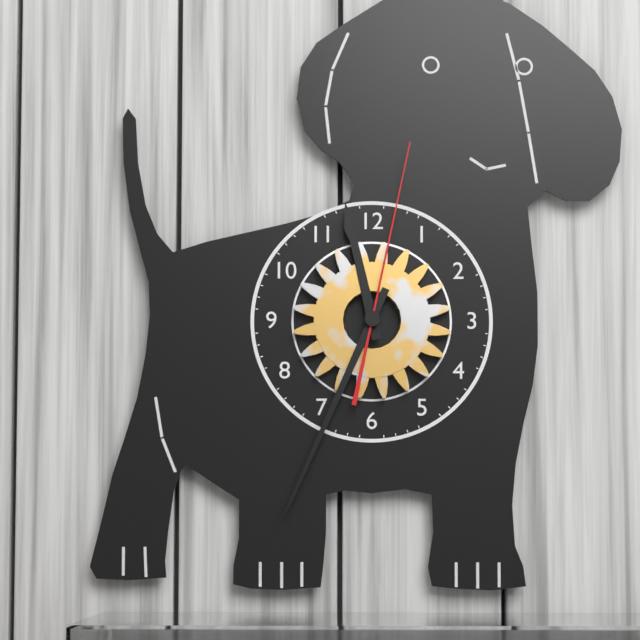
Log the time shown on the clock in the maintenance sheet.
11:34:02
